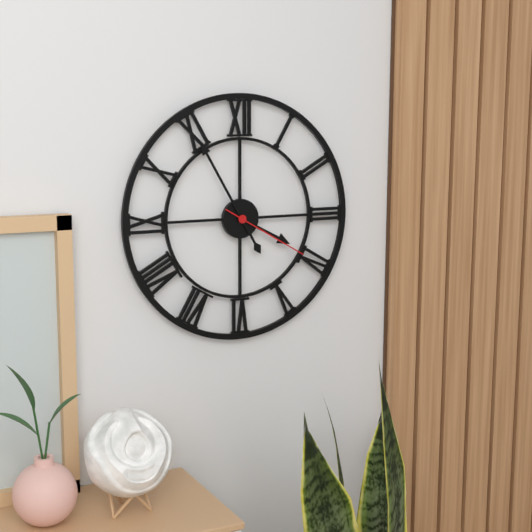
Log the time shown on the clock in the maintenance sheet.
3:55:20
